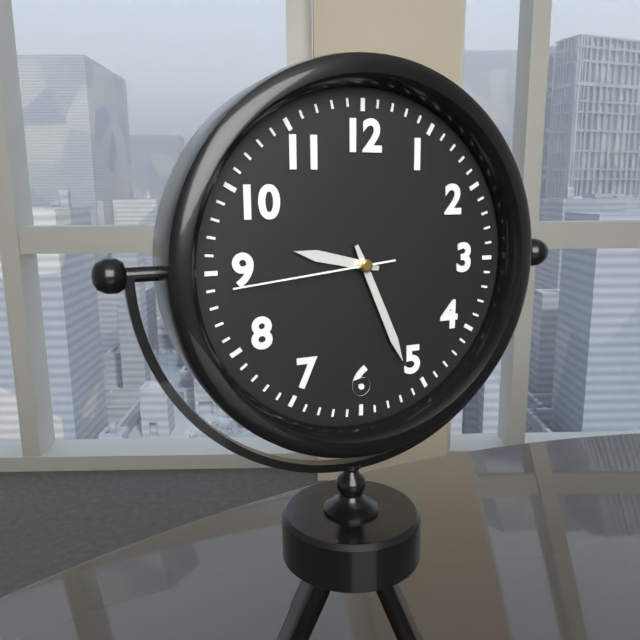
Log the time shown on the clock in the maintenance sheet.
9:26:44
